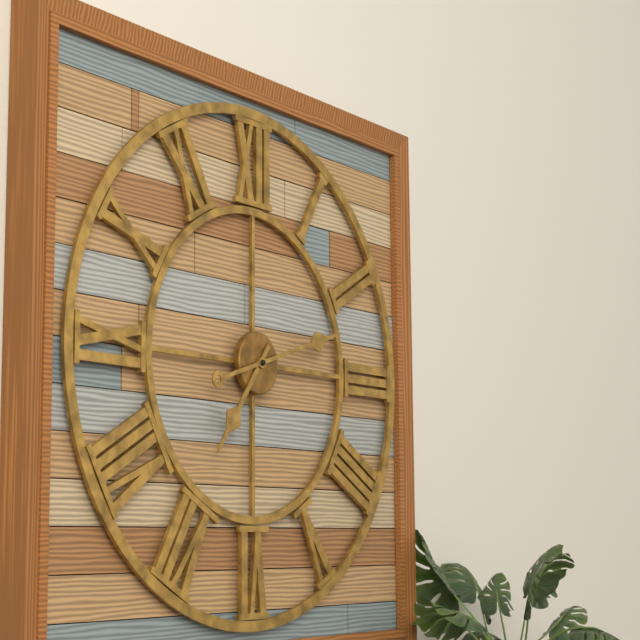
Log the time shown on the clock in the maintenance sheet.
7:12
